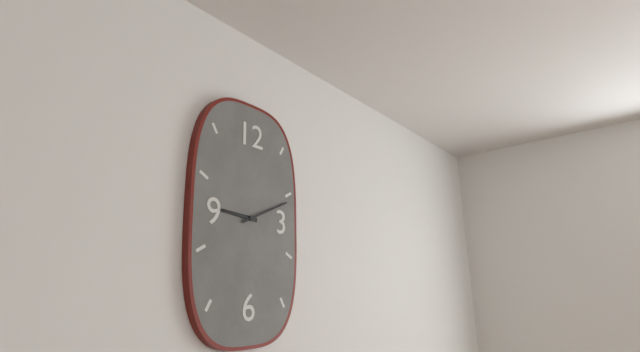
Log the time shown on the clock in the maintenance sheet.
9:11
